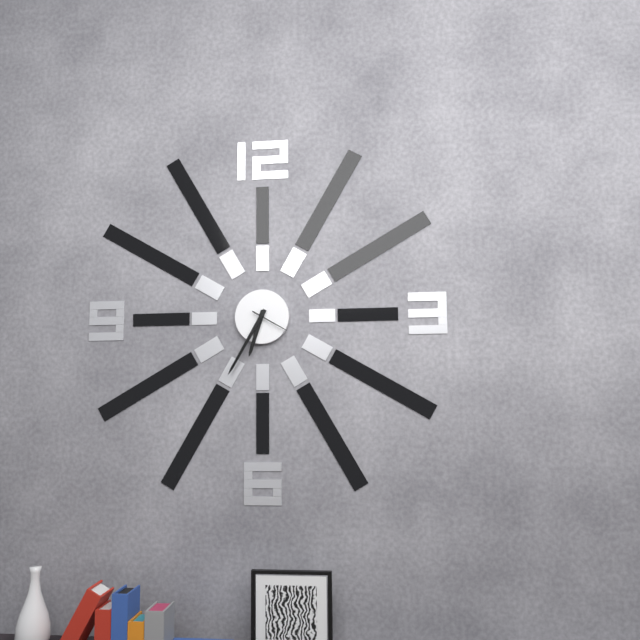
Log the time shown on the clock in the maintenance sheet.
6:35
